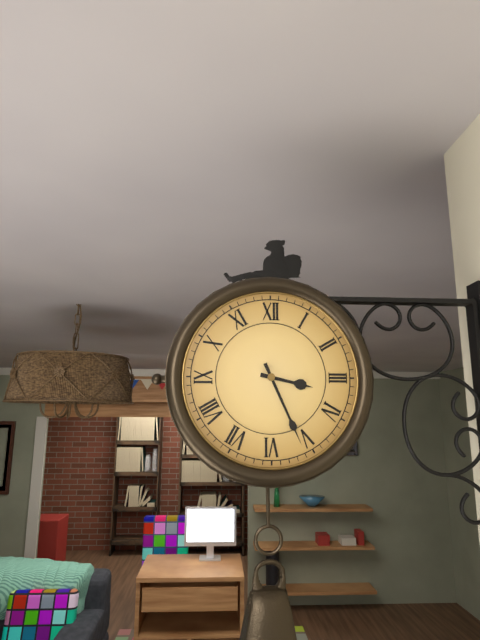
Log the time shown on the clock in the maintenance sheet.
3:26
